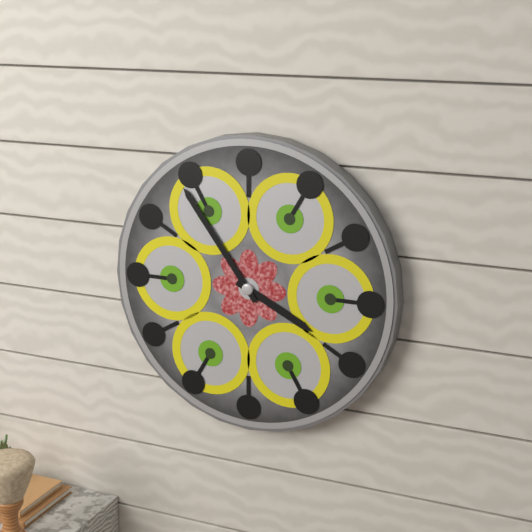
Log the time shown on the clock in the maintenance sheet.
3:54
